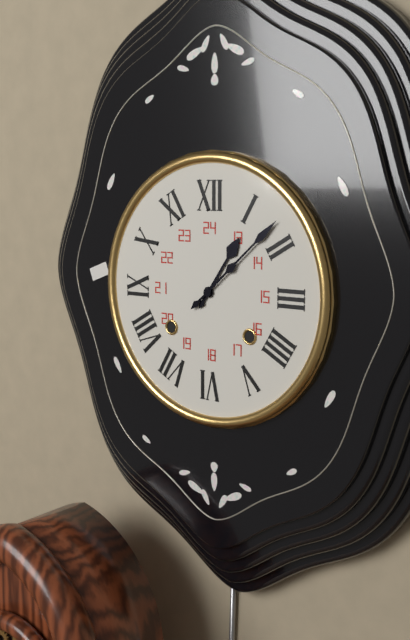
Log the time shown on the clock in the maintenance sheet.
1:08
